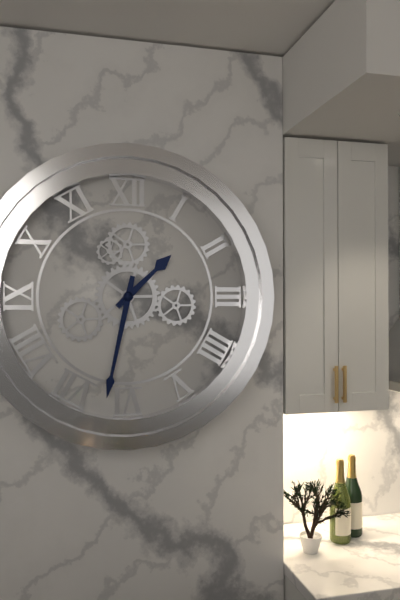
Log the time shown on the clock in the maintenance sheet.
1:32
